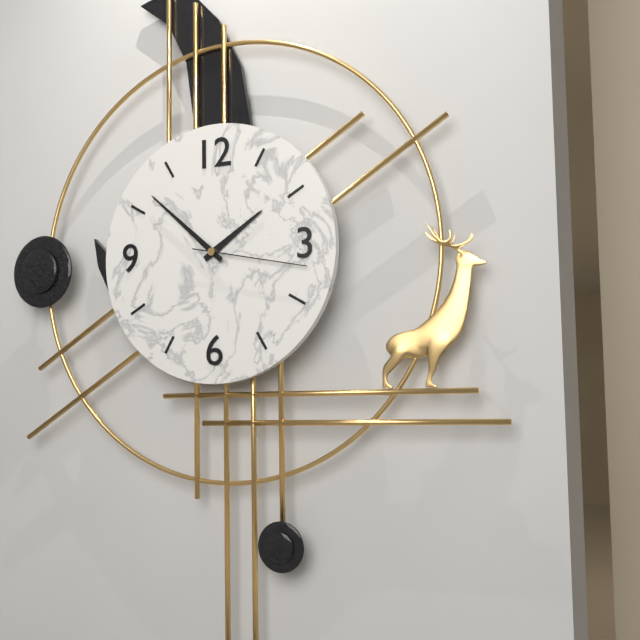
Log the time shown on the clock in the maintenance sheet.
1:52:17
